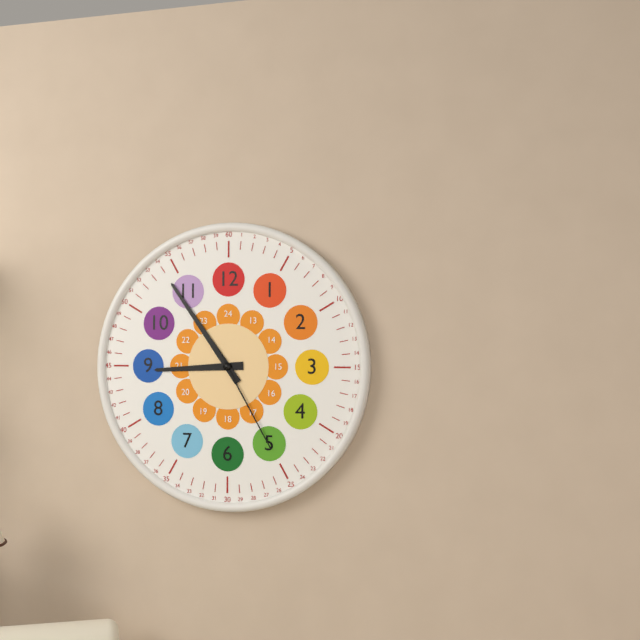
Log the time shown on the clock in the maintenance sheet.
8:54:25
